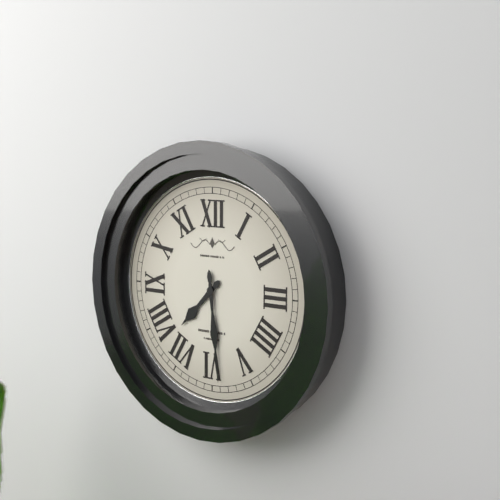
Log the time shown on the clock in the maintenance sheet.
7:29
